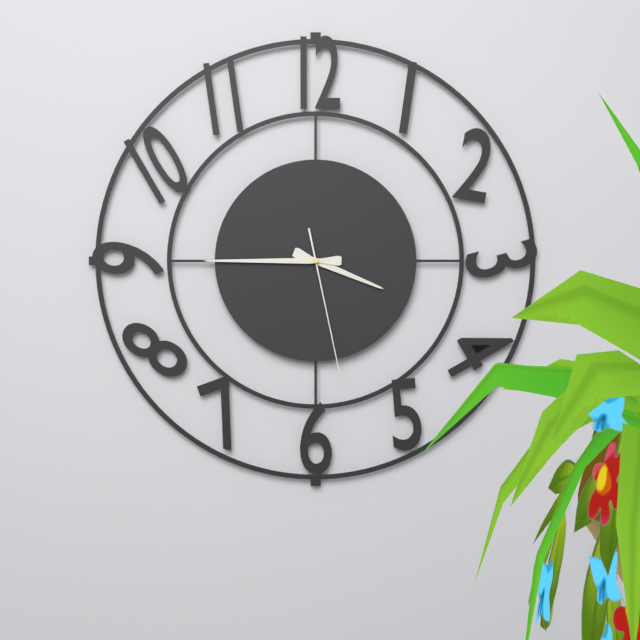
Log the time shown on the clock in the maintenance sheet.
3:45:28
